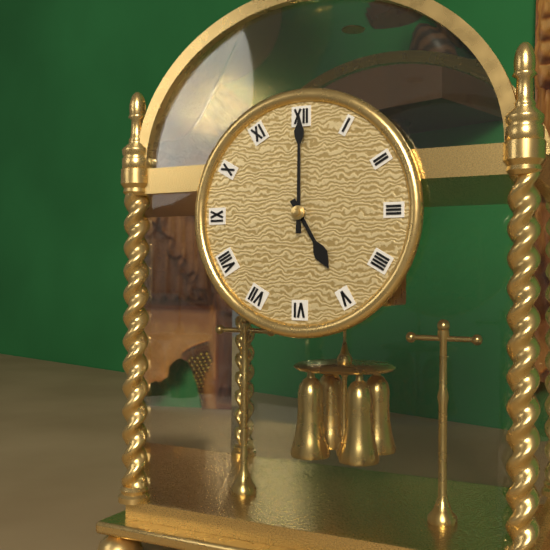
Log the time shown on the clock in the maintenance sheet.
5:00
